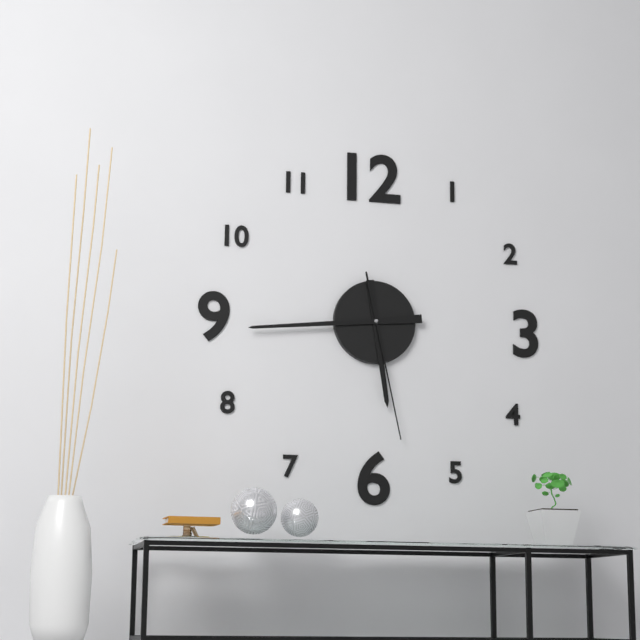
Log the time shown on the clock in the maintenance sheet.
5:44:28
